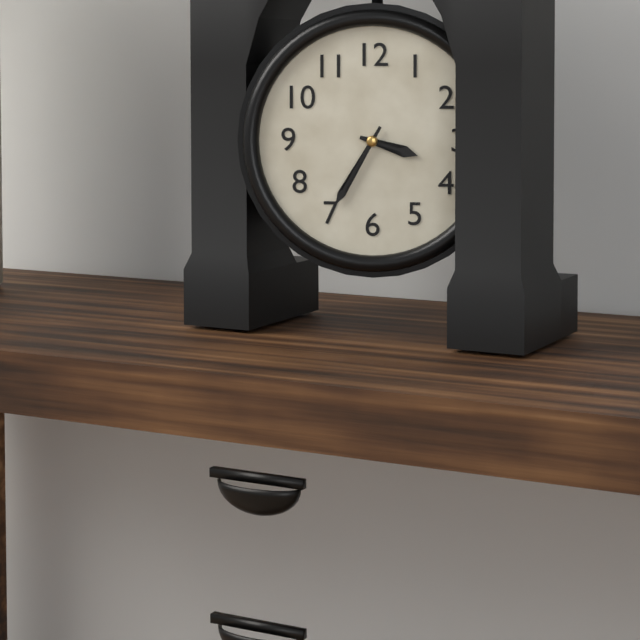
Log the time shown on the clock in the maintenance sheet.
3:35
